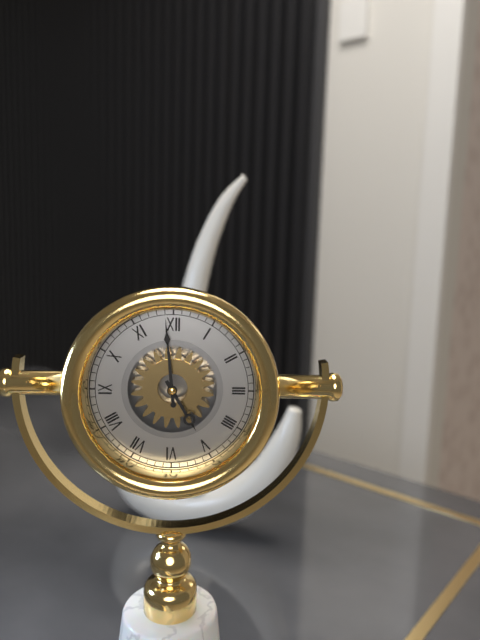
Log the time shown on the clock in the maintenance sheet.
4:59
